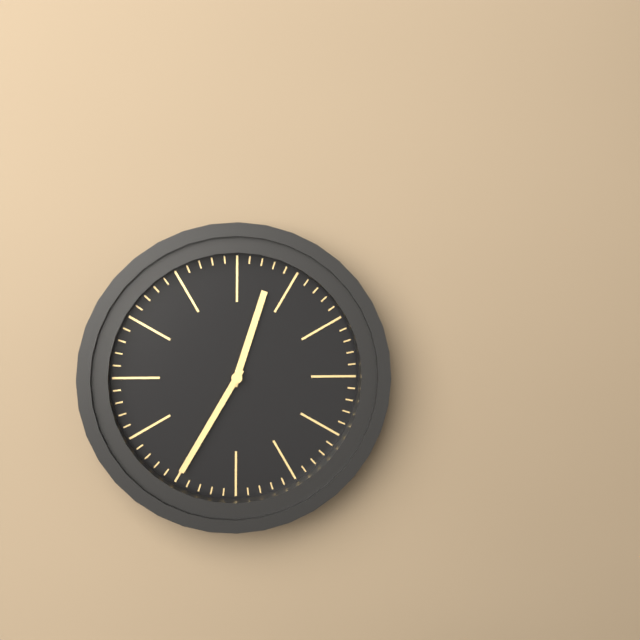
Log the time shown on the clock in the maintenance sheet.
12:35
